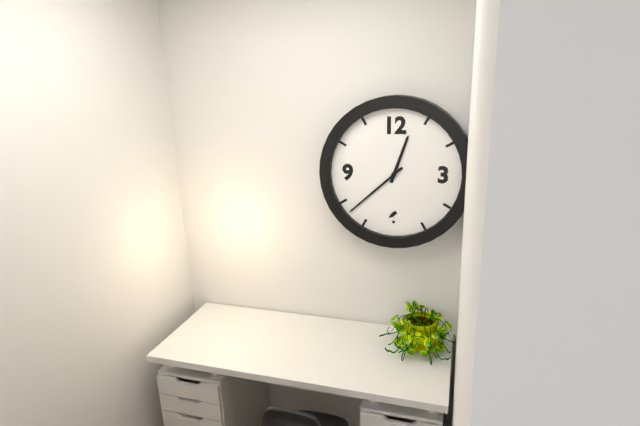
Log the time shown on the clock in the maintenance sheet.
12:38
